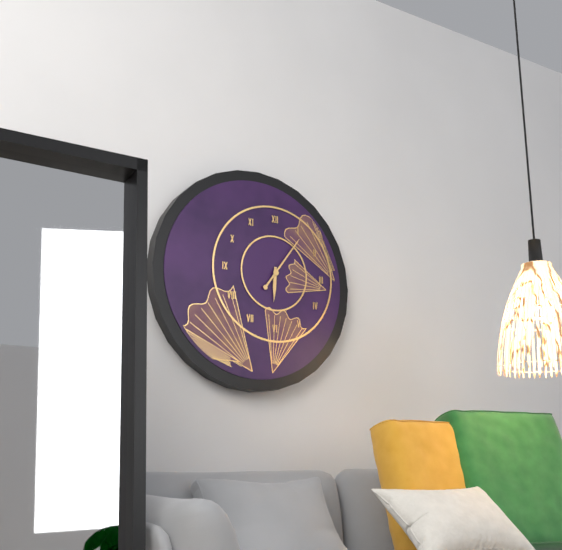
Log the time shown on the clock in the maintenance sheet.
6:06
